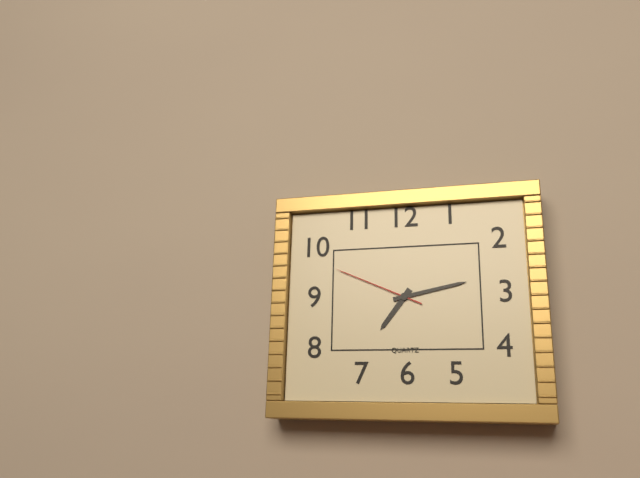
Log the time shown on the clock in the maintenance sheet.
7:13:49
